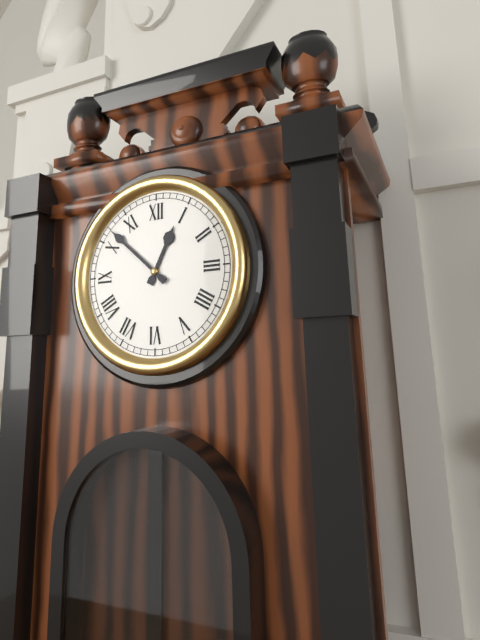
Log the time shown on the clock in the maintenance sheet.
12:52
